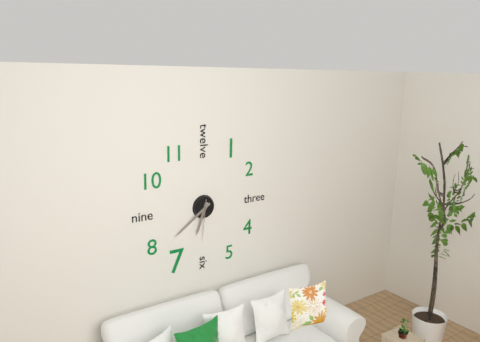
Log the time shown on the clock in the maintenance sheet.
6:39
